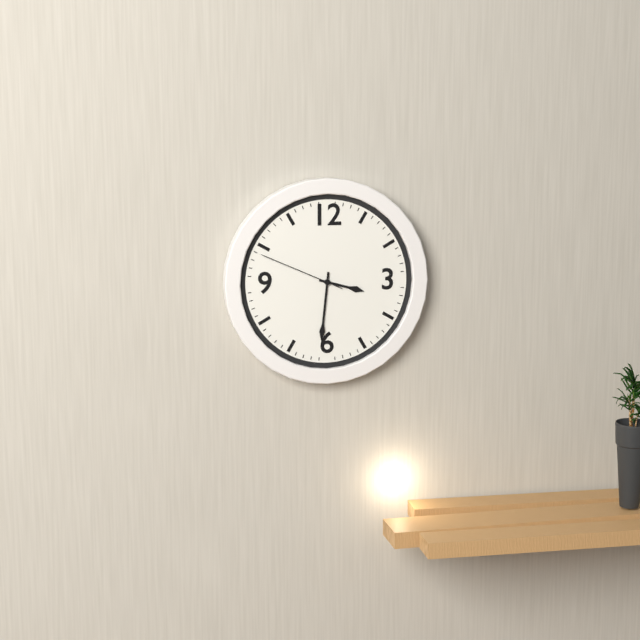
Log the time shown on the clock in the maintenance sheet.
3:31:49
